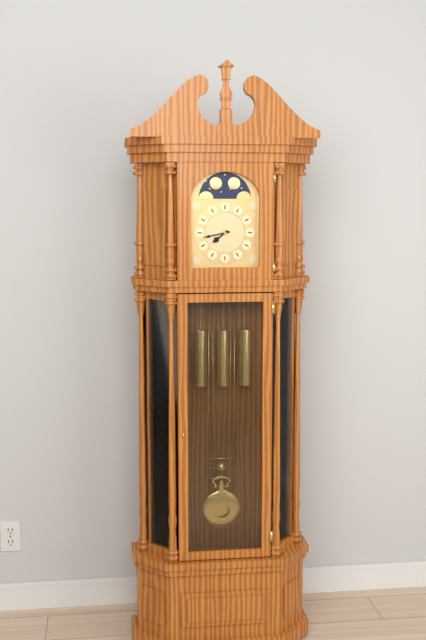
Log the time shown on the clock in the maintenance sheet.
7:43
